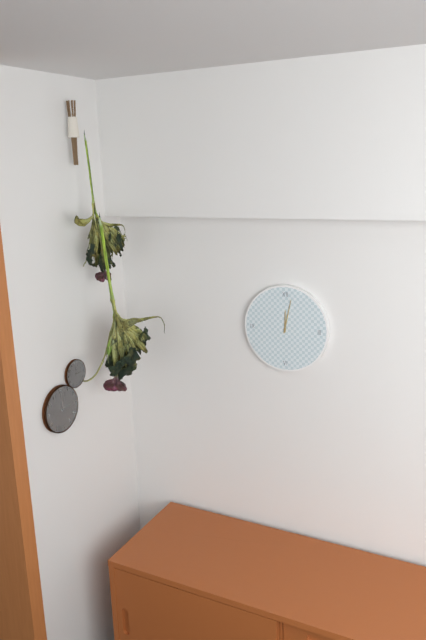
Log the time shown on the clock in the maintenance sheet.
12:02
